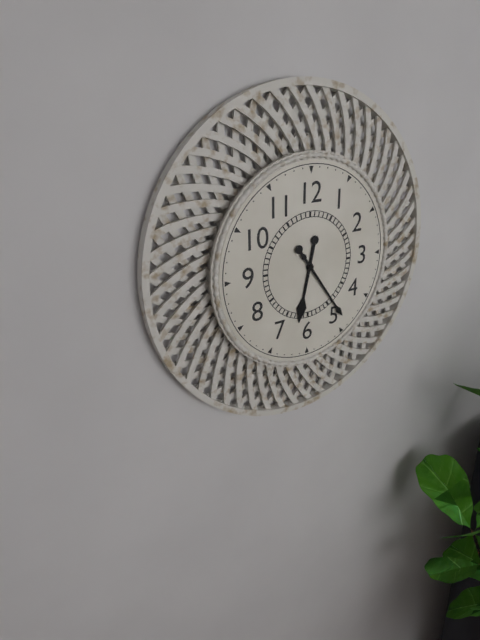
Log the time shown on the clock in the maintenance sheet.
6:24
